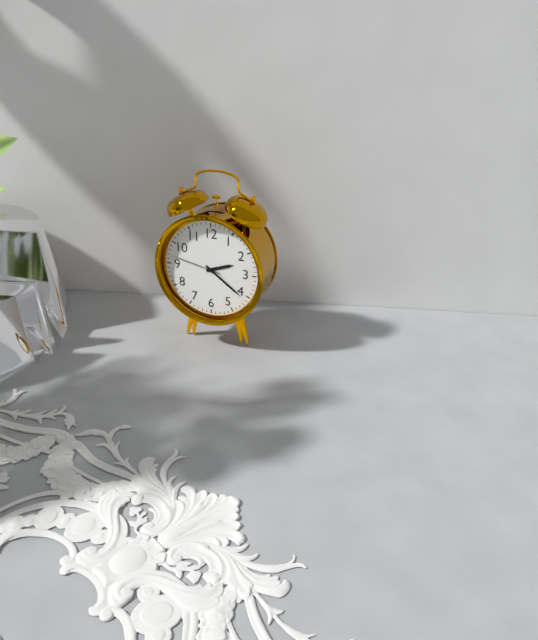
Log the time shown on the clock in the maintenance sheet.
2:21:47
